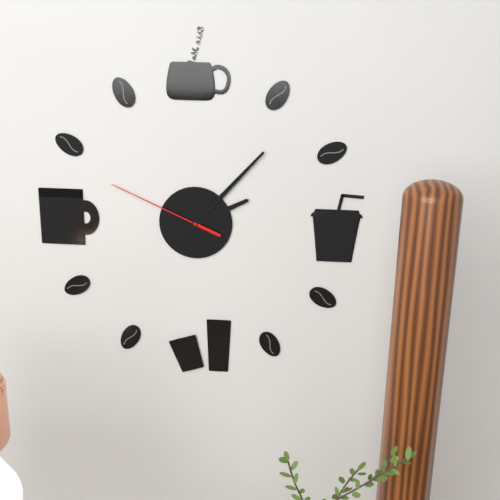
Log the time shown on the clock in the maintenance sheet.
2:07:49
